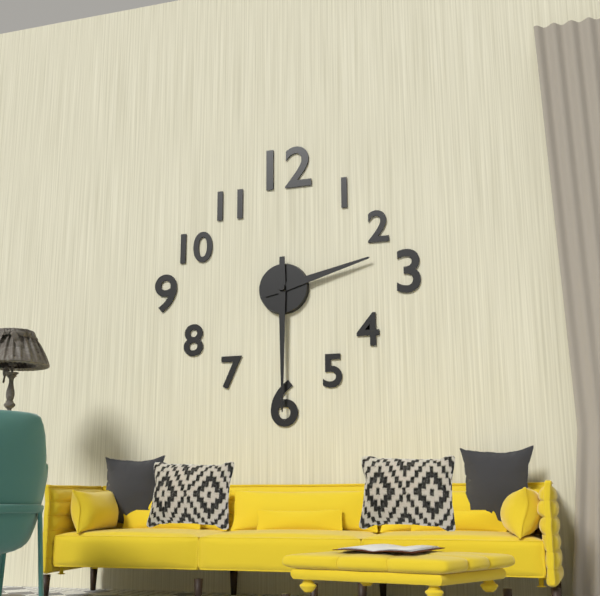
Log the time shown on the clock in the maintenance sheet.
2:30
